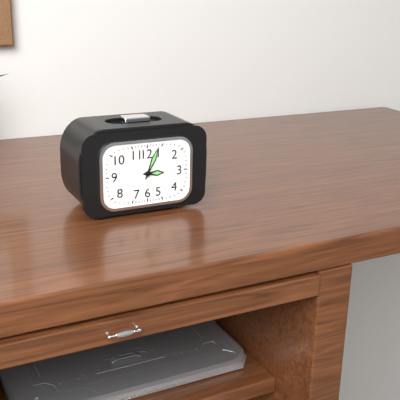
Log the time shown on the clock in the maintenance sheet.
3:04
